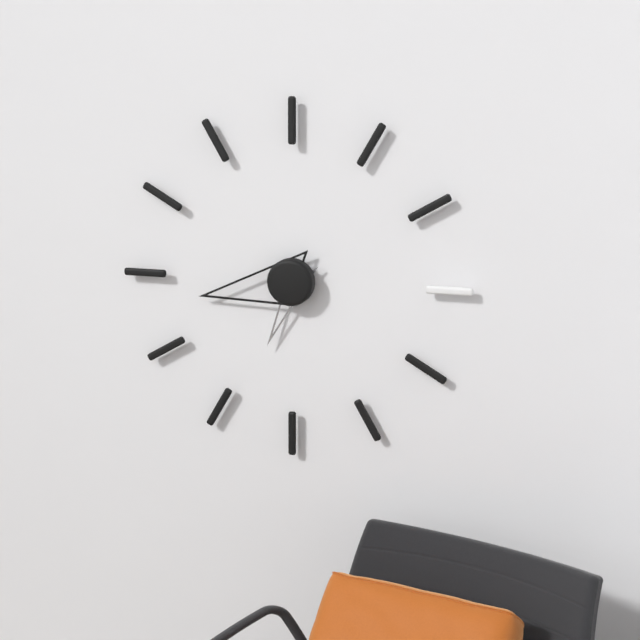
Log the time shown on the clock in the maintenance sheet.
6:43
